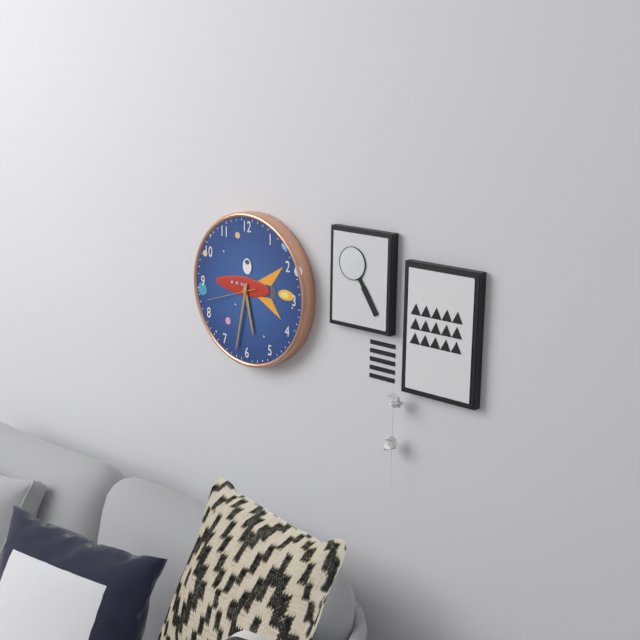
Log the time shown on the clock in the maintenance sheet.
5:32
